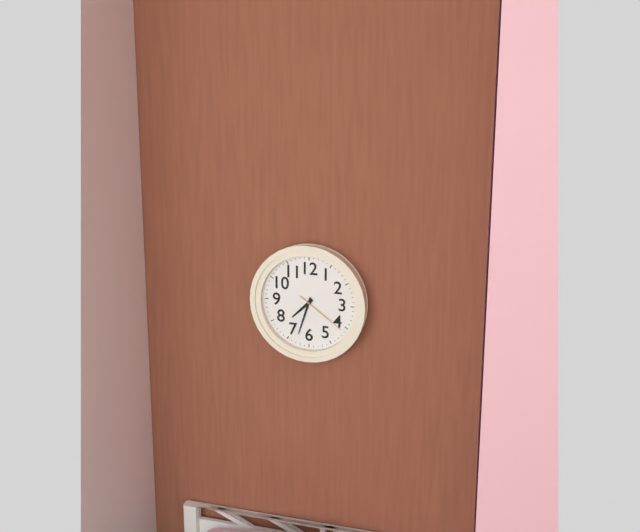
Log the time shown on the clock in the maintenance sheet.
7:33:21
